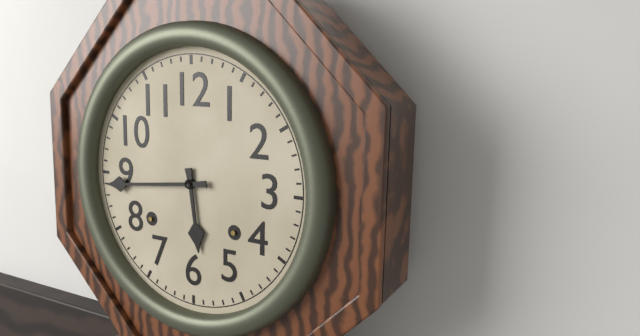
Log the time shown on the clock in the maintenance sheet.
5:44
